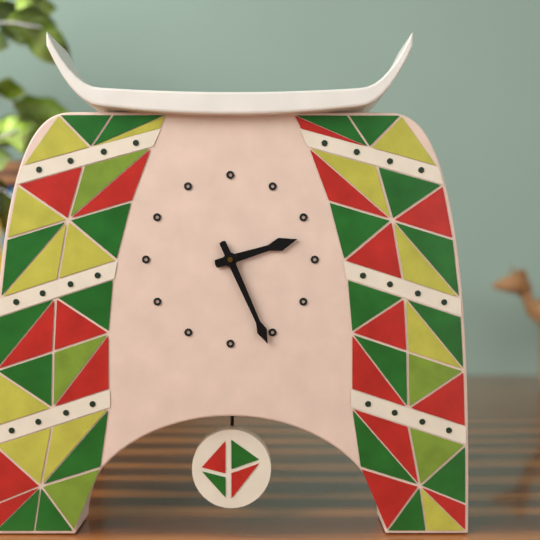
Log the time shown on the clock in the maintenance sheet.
2:26
